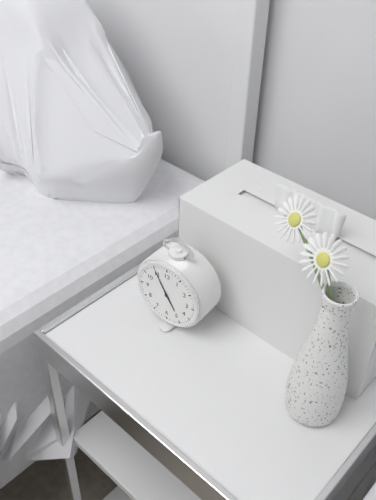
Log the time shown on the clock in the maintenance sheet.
4:55
